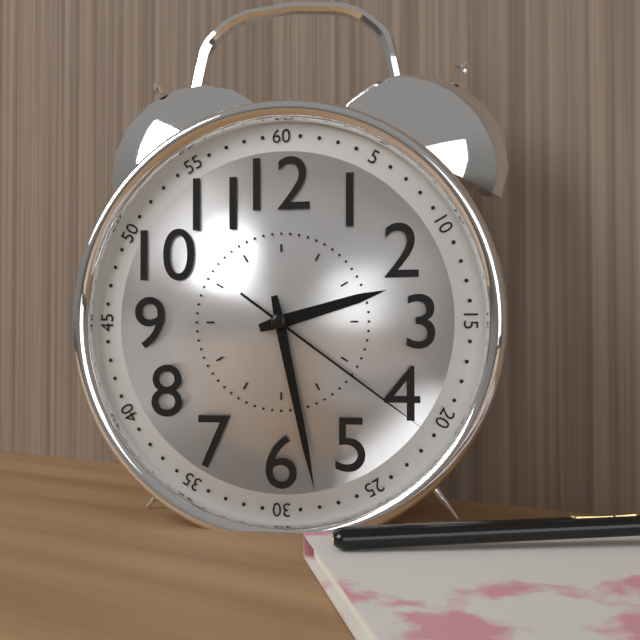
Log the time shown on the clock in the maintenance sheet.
2:28:21
